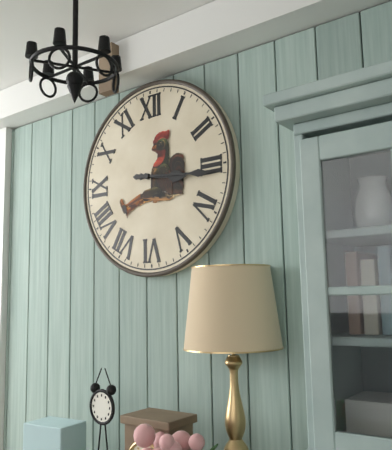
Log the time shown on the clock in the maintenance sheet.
3:16
